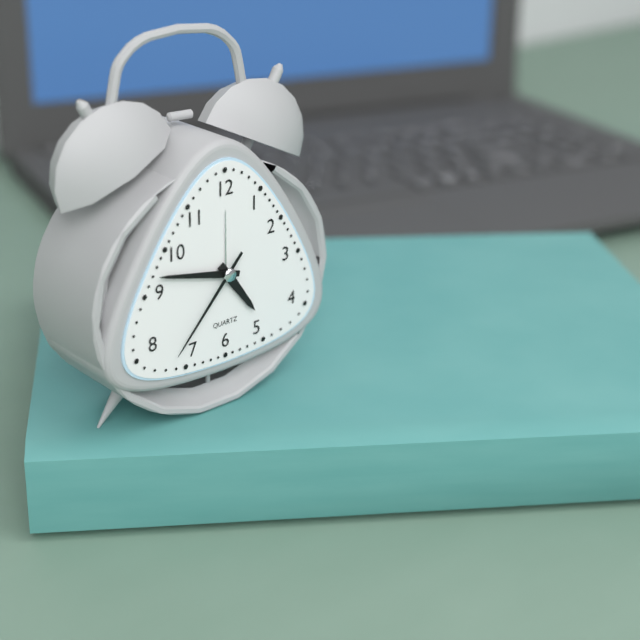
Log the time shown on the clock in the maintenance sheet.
4:47:37
